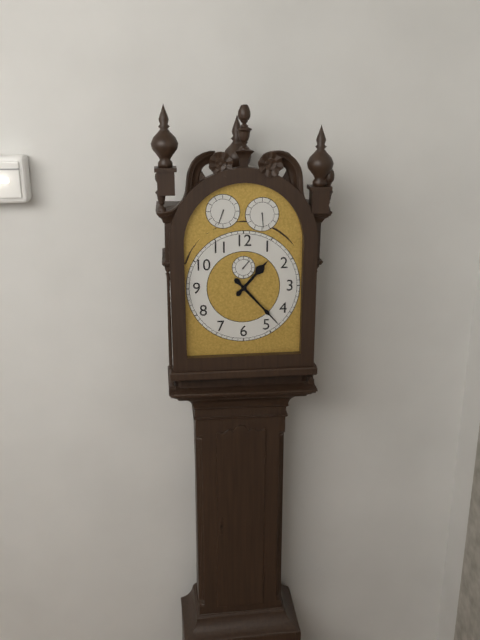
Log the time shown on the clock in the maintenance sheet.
1:23
